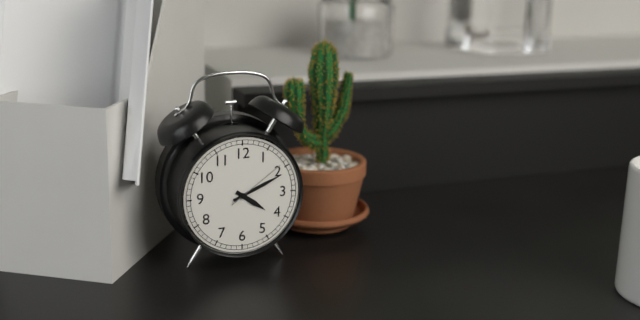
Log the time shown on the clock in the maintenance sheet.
4:11:09
